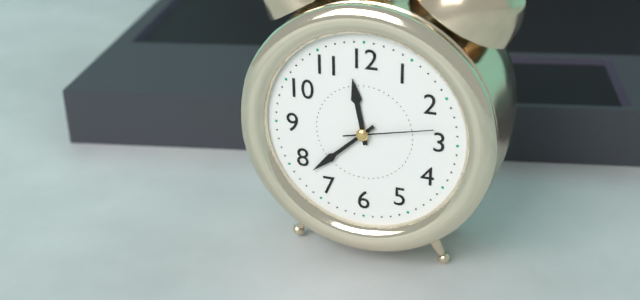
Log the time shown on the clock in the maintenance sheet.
11:38:13
